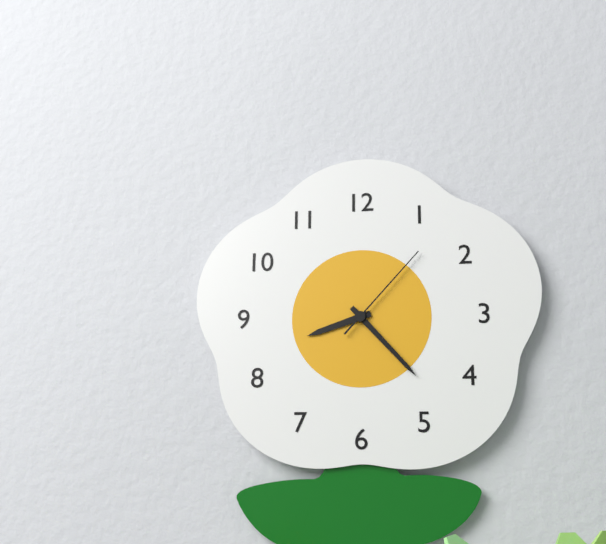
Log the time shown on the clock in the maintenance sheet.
8:23:07
